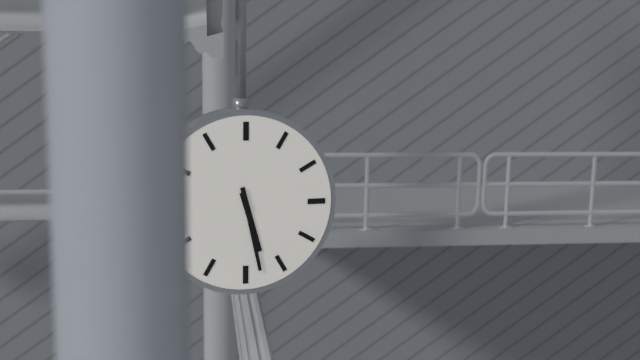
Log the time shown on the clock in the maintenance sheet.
5:28
